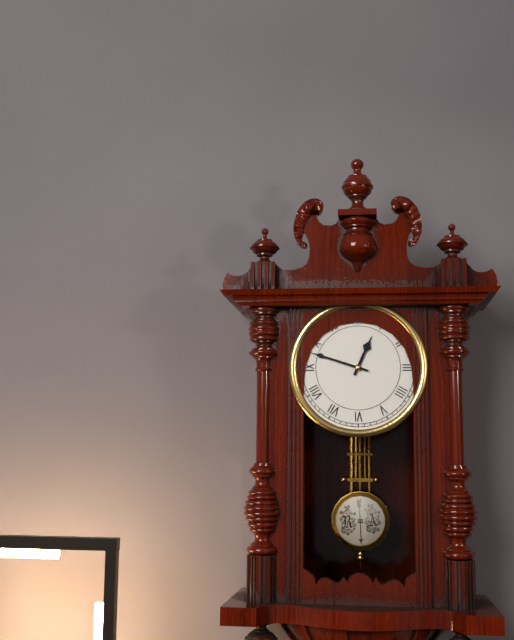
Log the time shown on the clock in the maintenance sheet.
12:48
